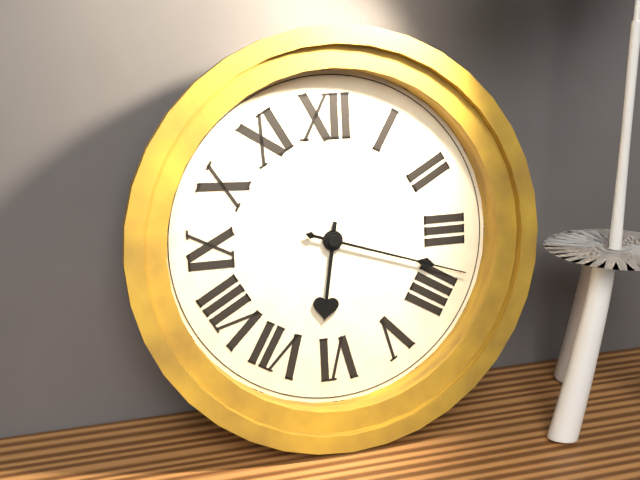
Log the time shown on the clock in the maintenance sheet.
6:18
